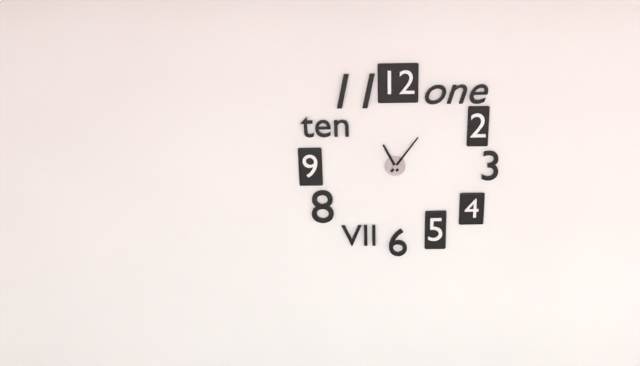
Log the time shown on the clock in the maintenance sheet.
11:06
